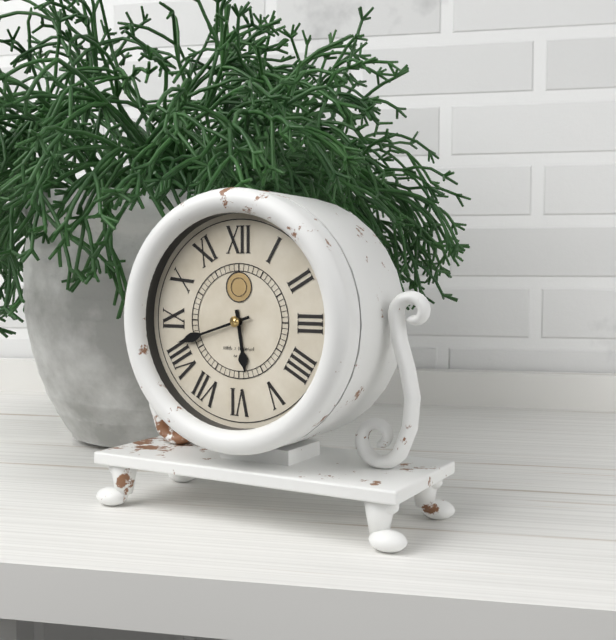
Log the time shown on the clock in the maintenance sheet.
5:42
